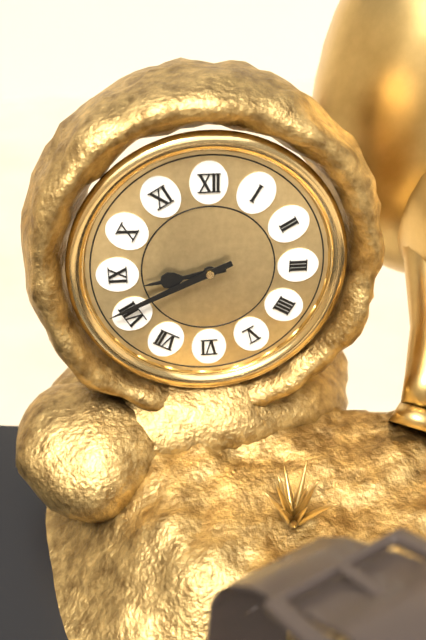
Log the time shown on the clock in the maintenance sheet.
8:41
